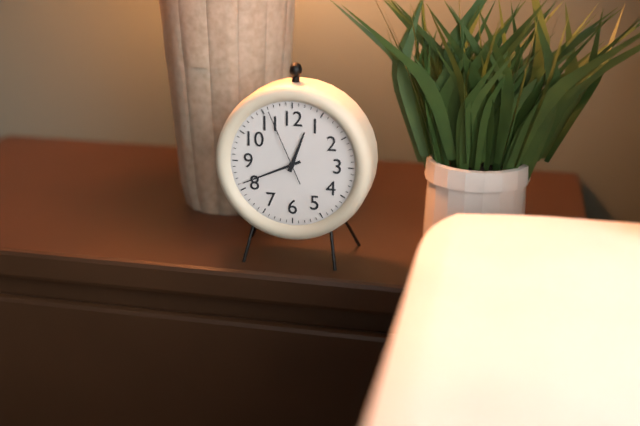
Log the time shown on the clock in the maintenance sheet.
12:41:56
